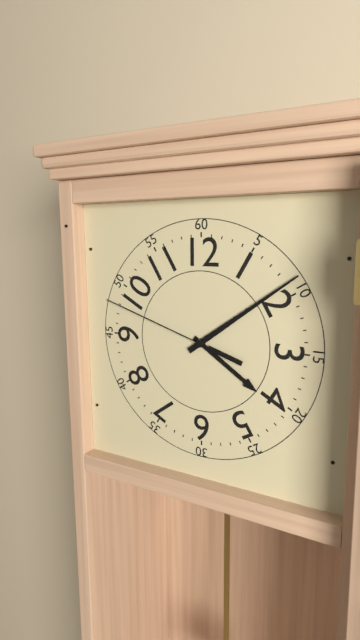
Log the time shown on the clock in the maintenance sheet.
4:09:48
